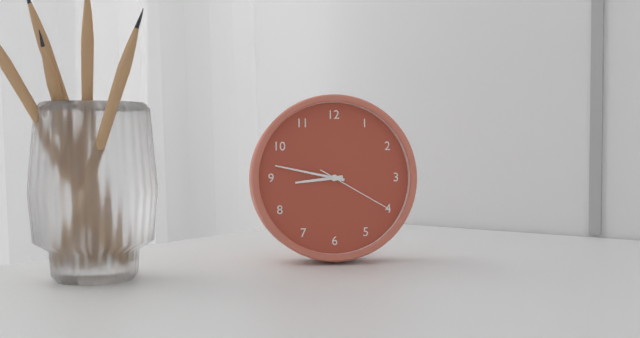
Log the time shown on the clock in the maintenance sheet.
8:47:20
